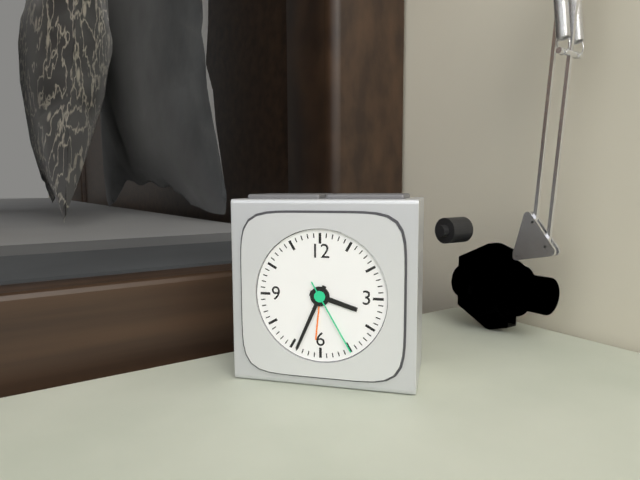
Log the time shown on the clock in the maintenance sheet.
3:34:25
